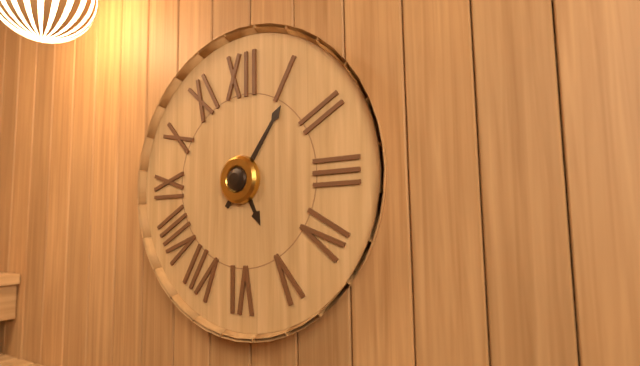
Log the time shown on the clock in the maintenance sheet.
5:06
